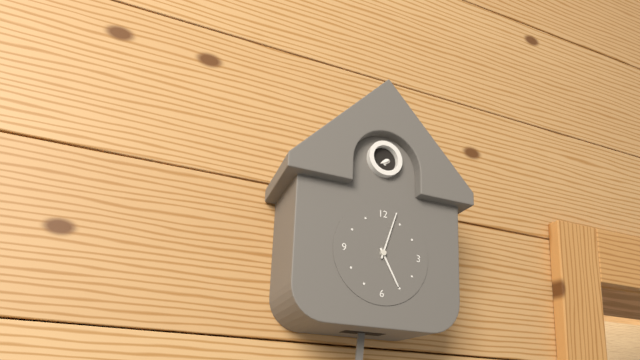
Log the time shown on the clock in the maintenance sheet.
5:03
